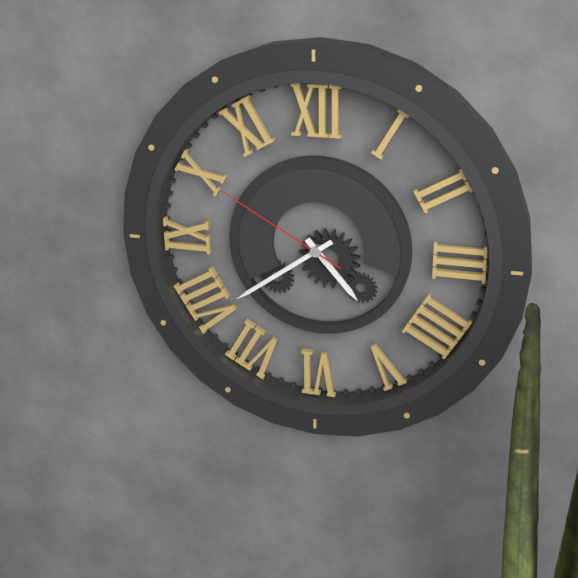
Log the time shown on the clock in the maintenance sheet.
4:39:50
